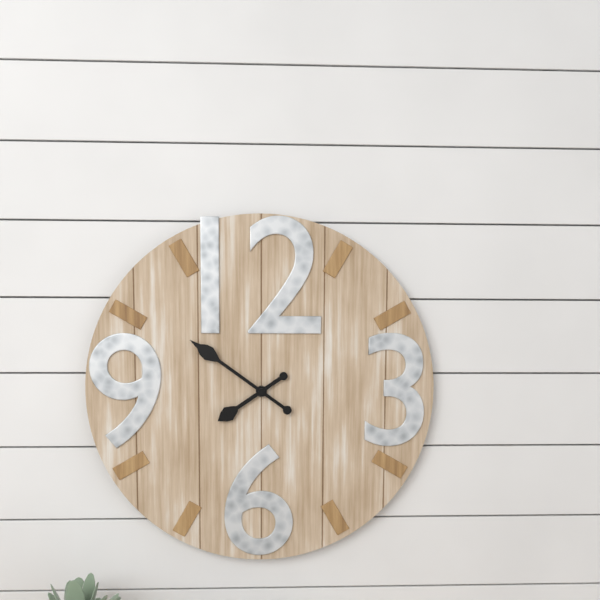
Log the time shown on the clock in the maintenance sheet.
7:51
